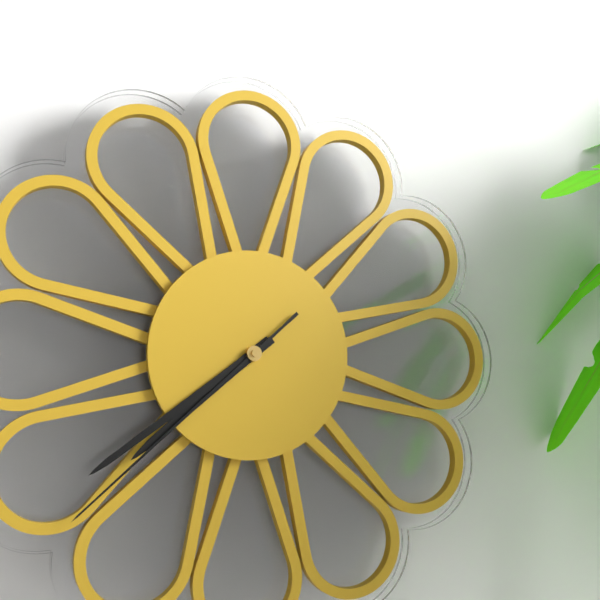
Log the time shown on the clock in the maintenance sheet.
7:39:38
